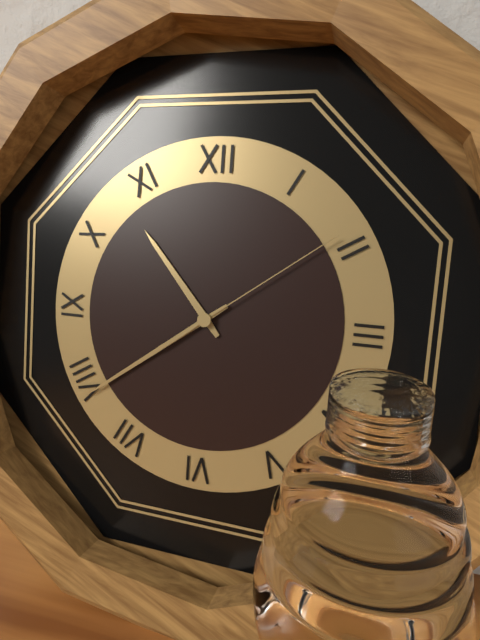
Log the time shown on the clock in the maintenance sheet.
10:39:09
